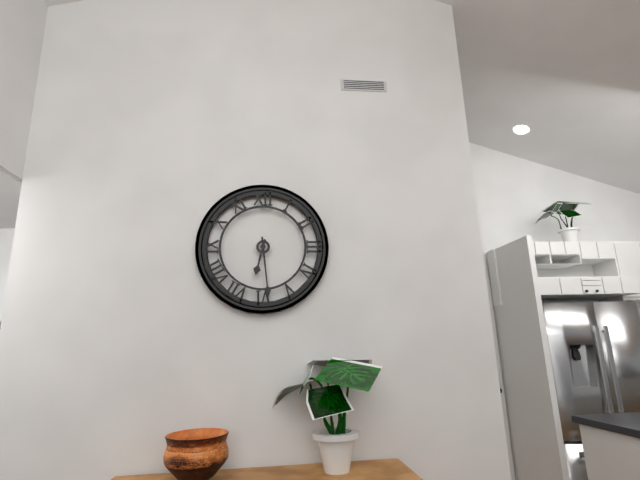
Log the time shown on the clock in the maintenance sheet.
6:29
